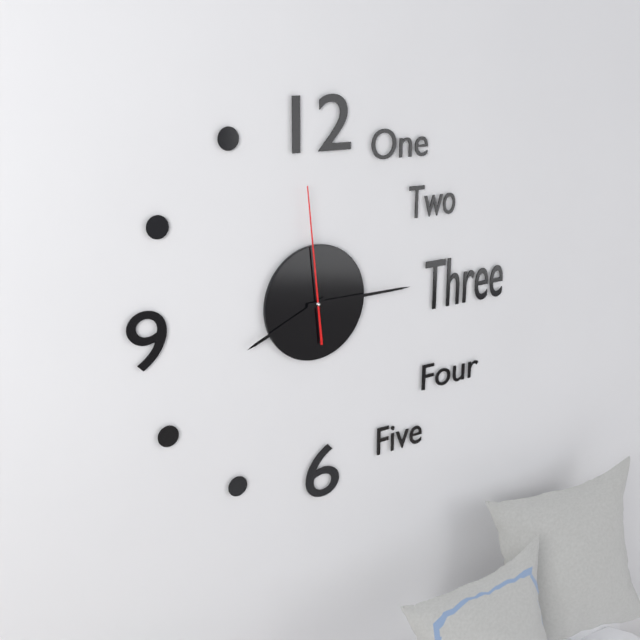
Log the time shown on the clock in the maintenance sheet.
8:15:59
